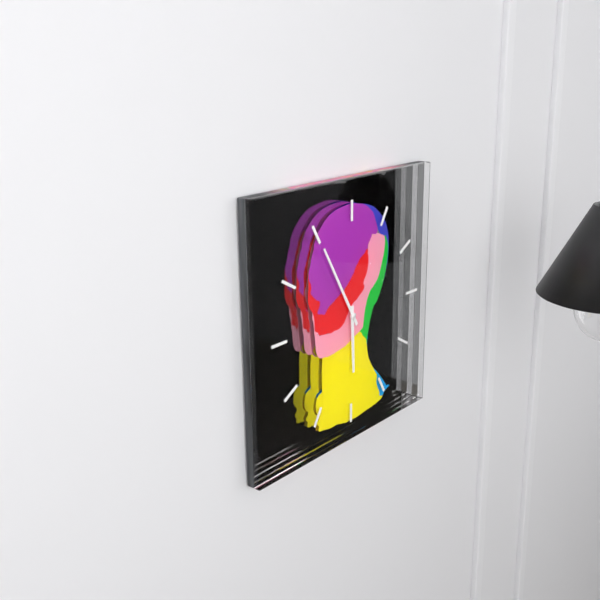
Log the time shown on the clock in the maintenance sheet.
5:55
